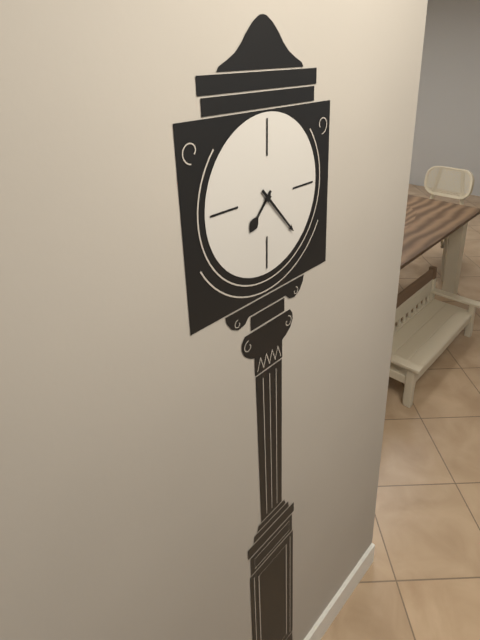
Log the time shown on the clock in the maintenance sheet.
7:23
